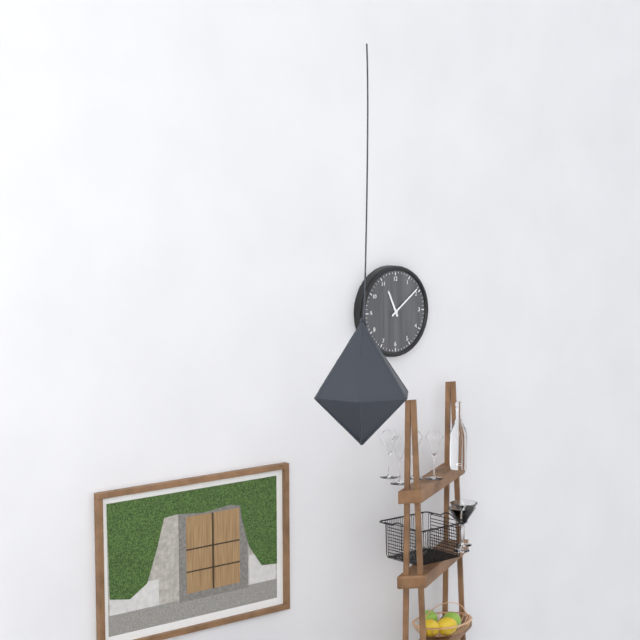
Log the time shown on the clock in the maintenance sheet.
11:09
